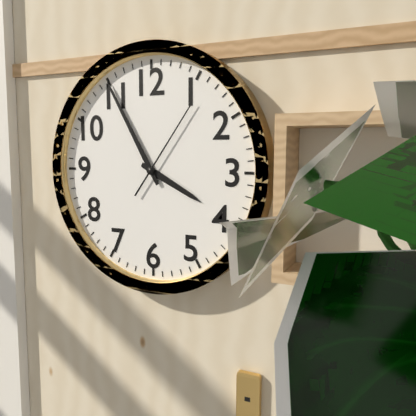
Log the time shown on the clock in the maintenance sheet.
3:55:06
